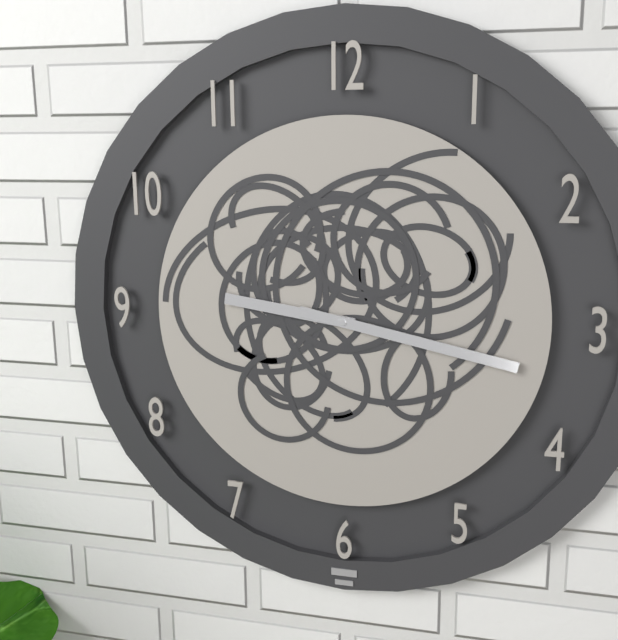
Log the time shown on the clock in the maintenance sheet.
9:17
